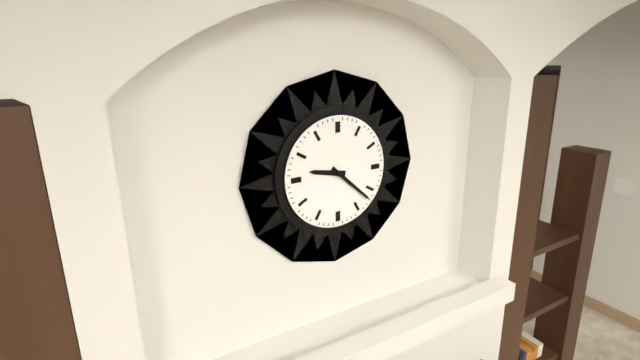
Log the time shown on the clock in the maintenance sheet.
9:22
